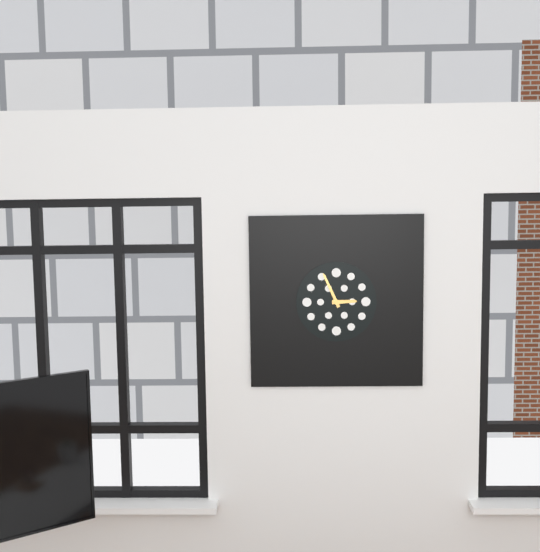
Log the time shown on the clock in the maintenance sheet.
2:56
